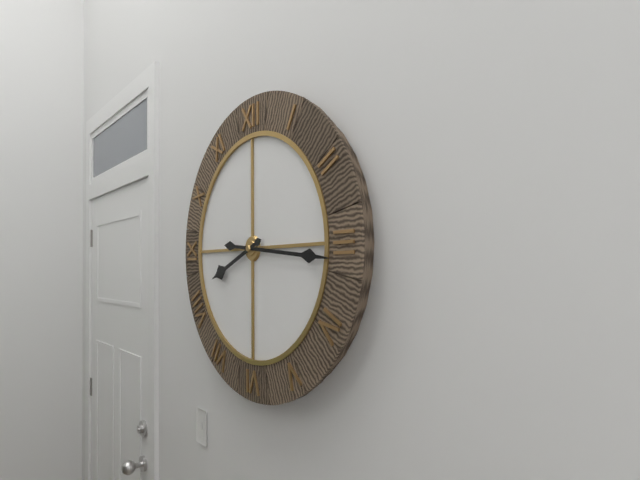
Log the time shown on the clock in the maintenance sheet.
8:16
